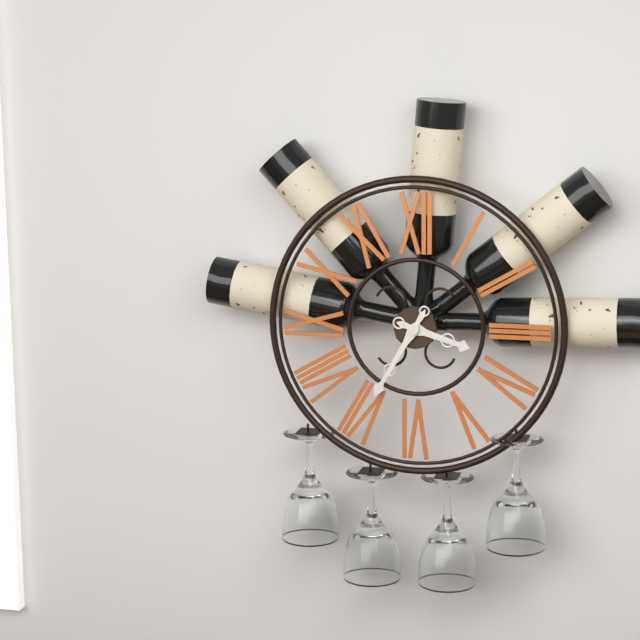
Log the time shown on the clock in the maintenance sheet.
3:35
